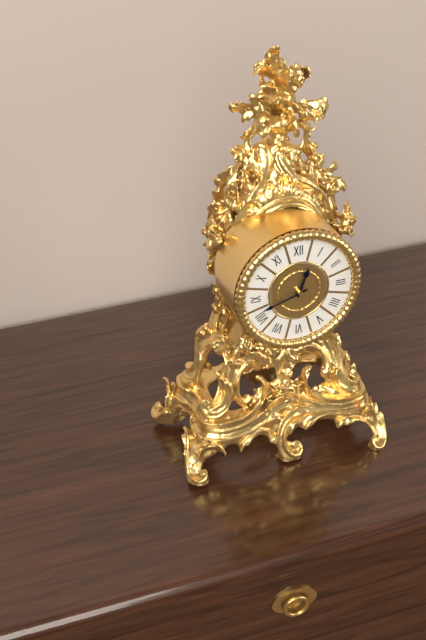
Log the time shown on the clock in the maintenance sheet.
12:42
